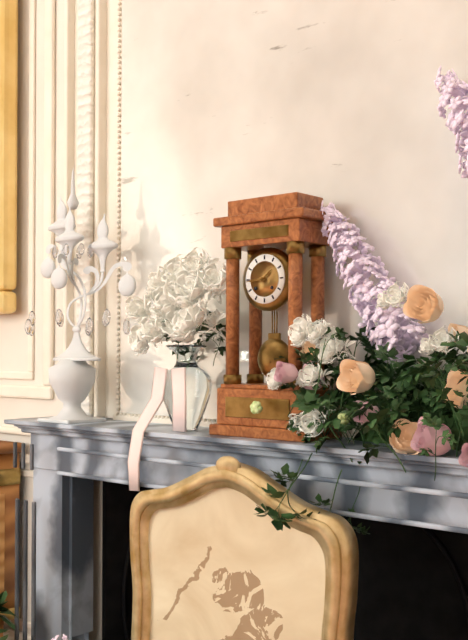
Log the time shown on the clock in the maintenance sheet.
1:44
